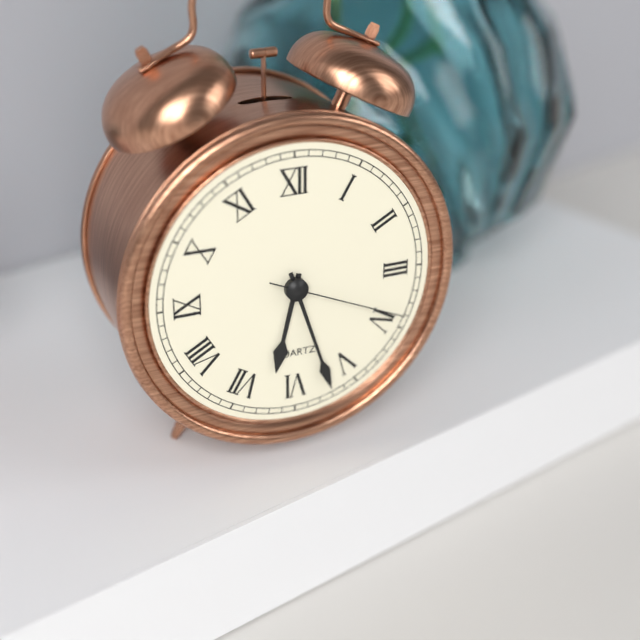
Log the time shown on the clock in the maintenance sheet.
6:27:19
